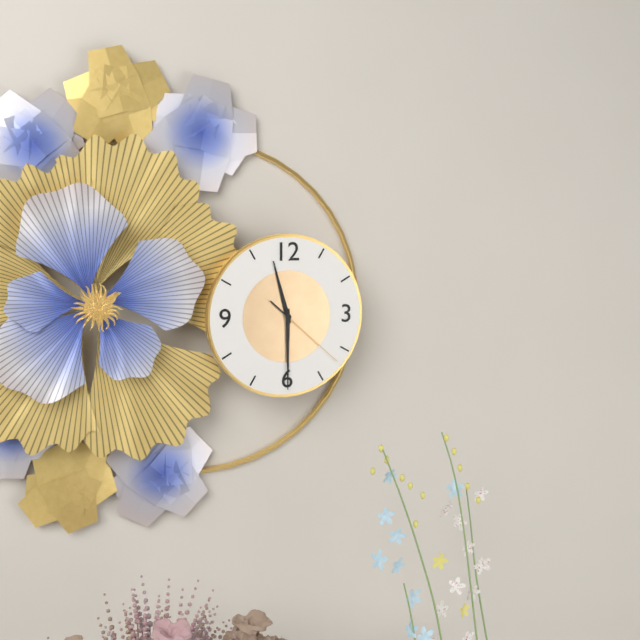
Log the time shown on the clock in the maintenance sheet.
11:30:22
